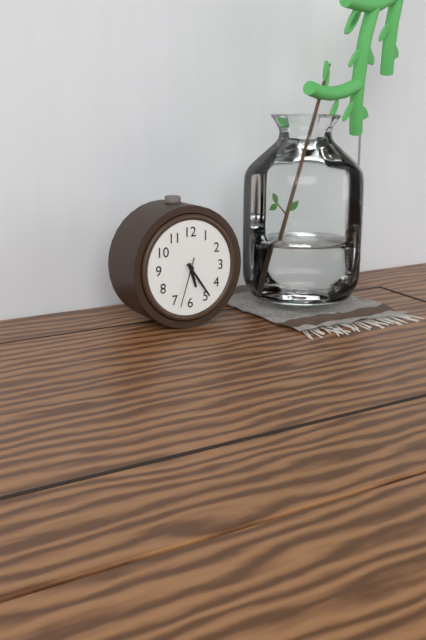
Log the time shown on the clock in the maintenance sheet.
5:24:33
